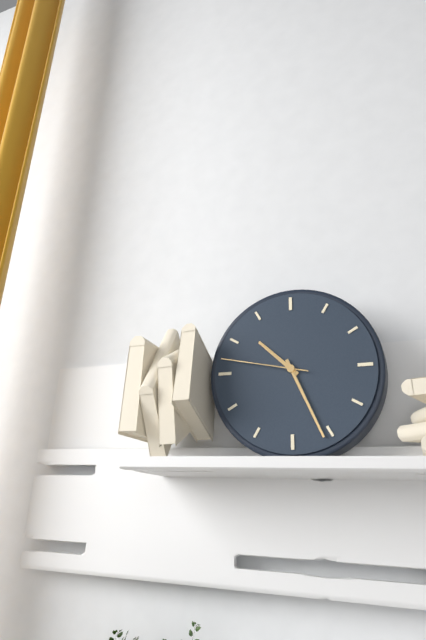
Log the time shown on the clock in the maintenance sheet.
10:26:47
